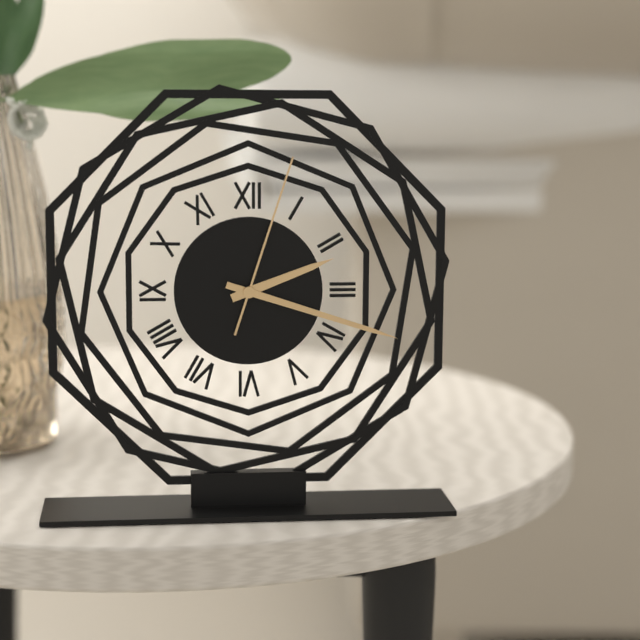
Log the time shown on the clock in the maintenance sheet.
2:18:03
